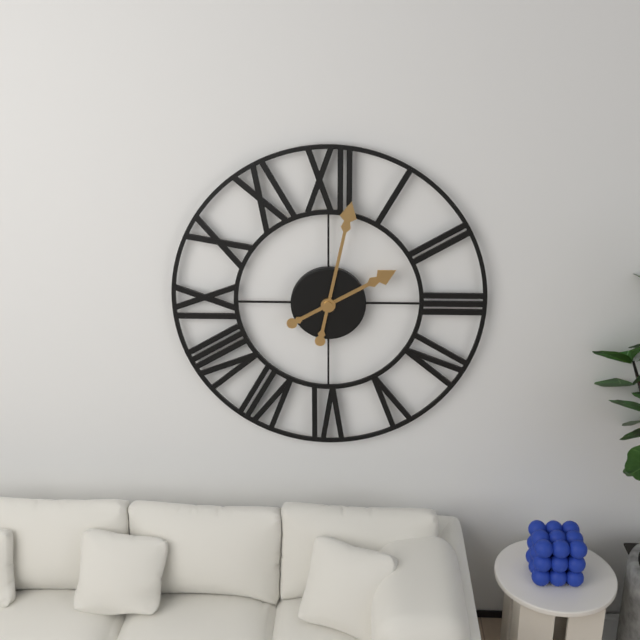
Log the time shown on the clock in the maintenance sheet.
2:02
